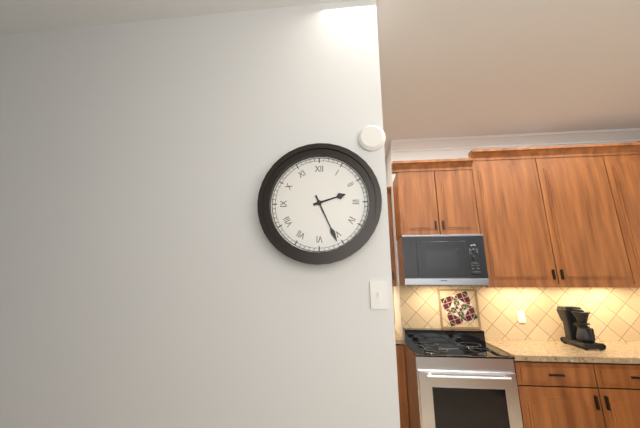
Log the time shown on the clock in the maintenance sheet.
2:26
